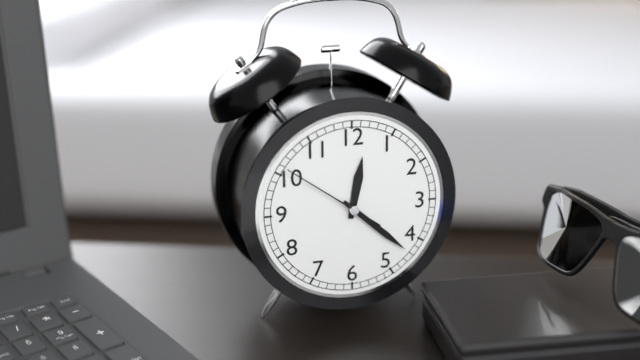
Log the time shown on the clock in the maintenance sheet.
12:22:51
